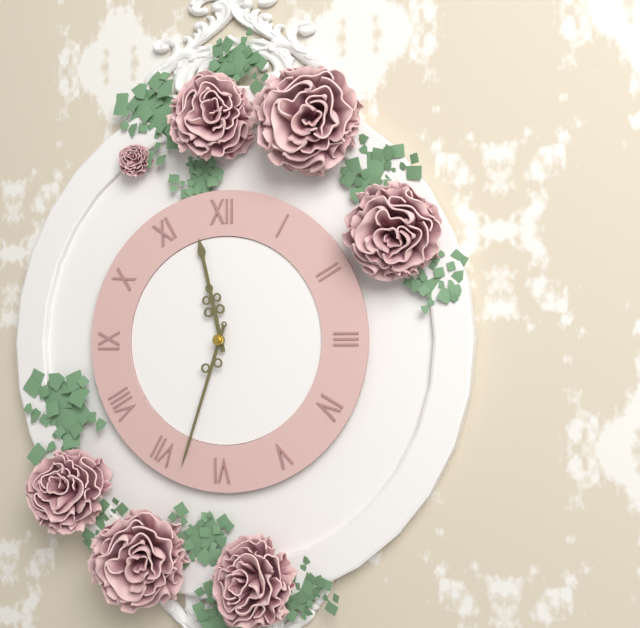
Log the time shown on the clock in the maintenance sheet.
11:33
